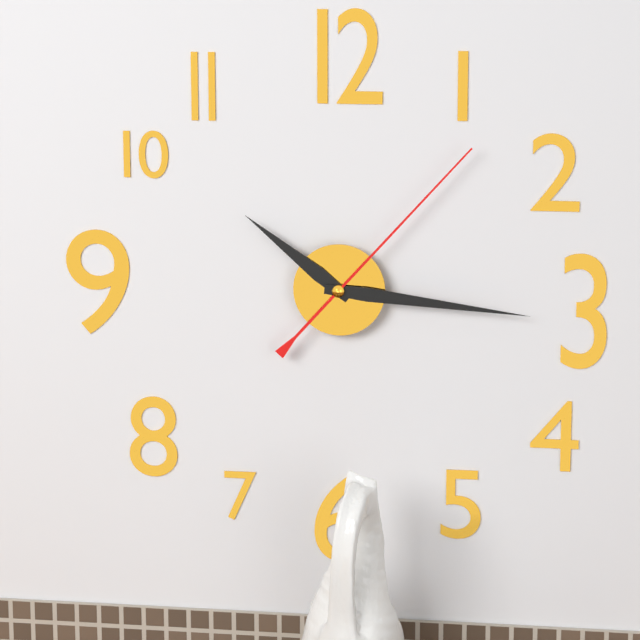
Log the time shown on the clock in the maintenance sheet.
10:16:07
